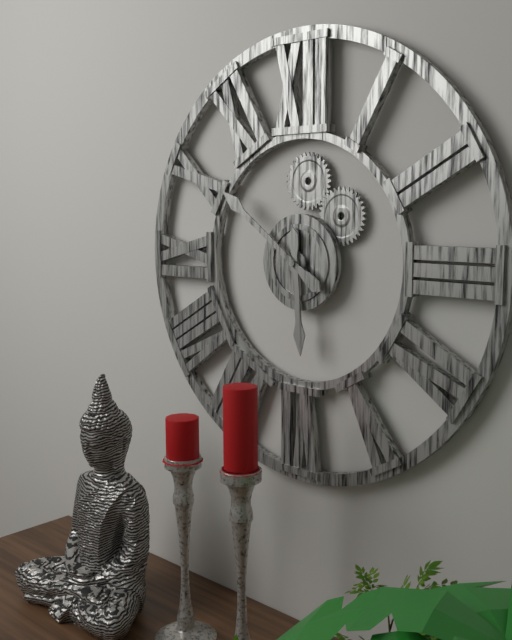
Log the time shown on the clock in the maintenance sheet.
5:51
